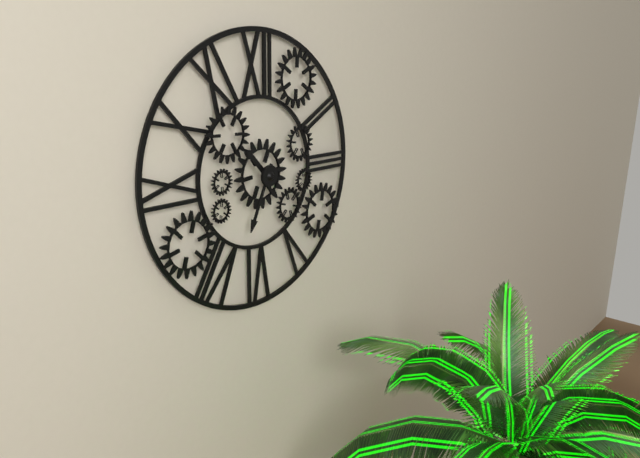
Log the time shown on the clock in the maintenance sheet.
10:34
